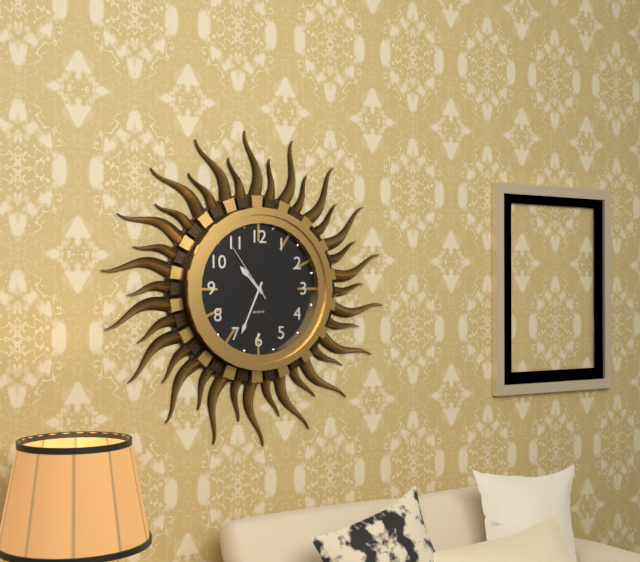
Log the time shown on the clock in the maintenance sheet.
10:34:54
